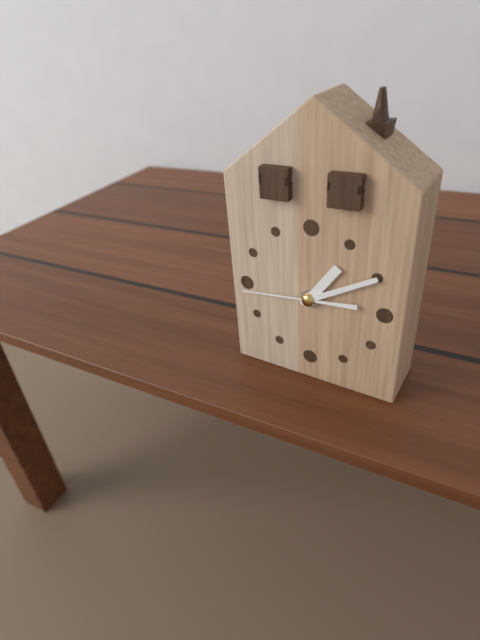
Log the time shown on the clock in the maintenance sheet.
1:10:44
